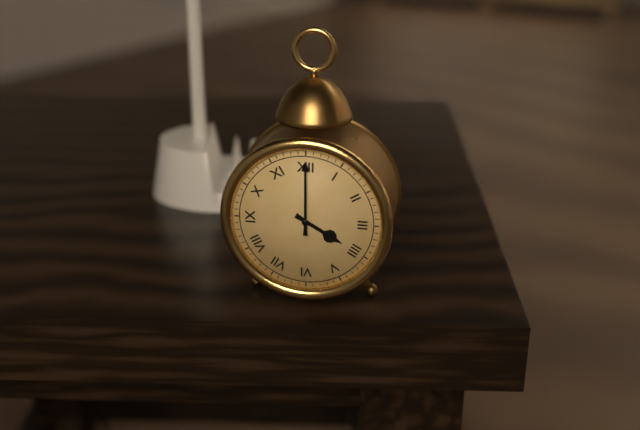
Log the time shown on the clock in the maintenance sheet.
4:00
